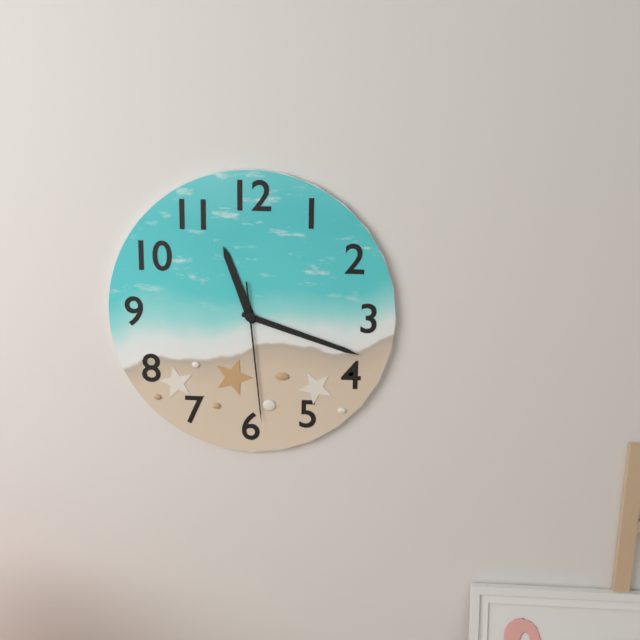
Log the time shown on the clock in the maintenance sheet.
11:18:29
